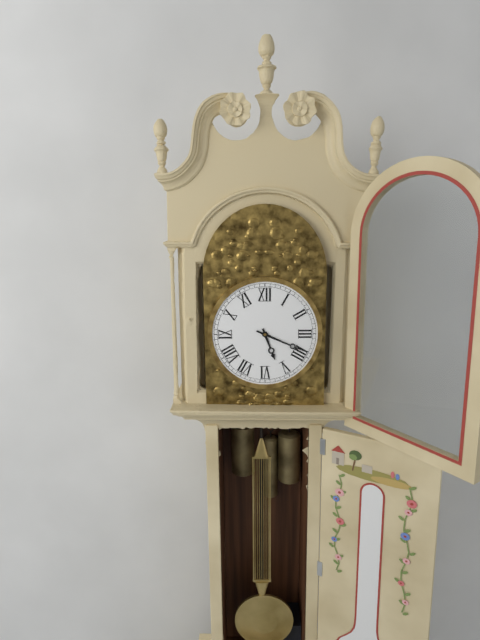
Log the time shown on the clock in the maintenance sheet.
5:19
